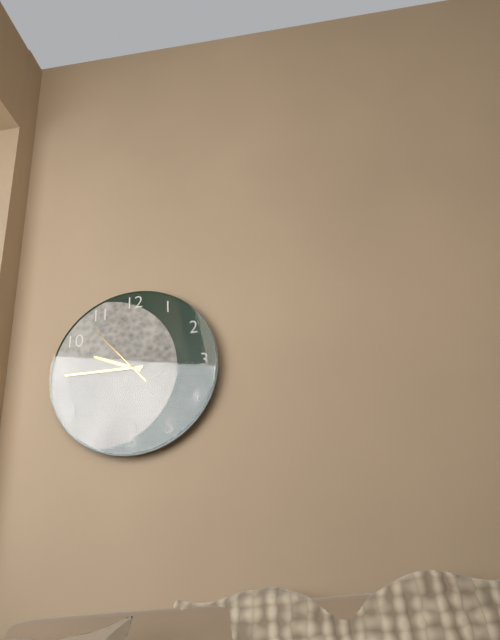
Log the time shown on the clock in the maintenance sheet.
9:45:53
